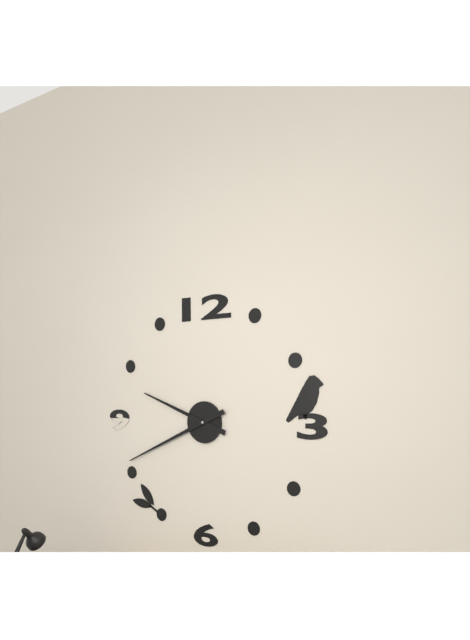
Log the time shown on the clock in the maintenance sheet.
9:41
